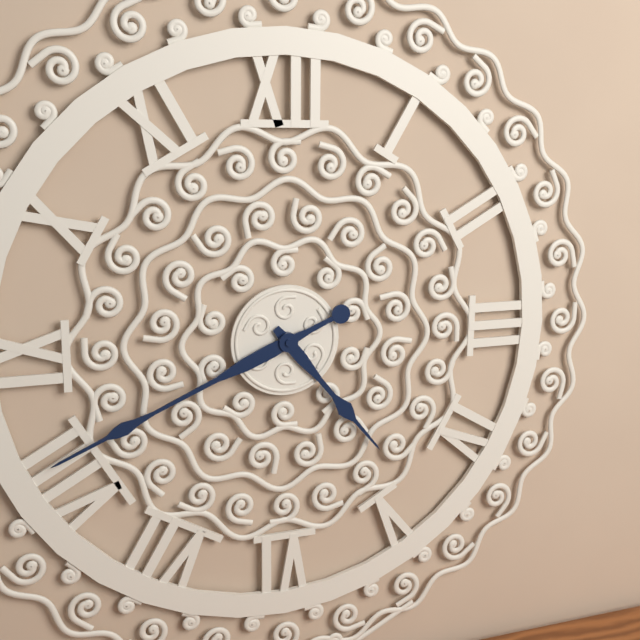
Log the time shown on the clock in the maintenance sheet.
4:41
